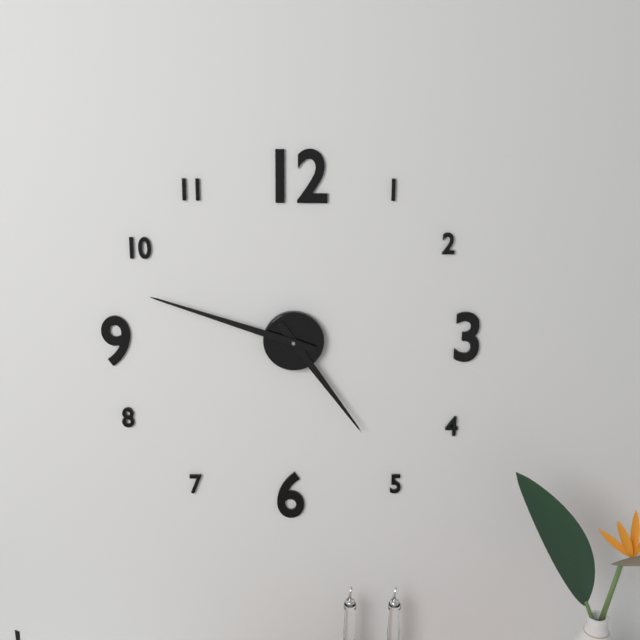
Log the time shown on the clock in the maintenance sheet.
4:48
